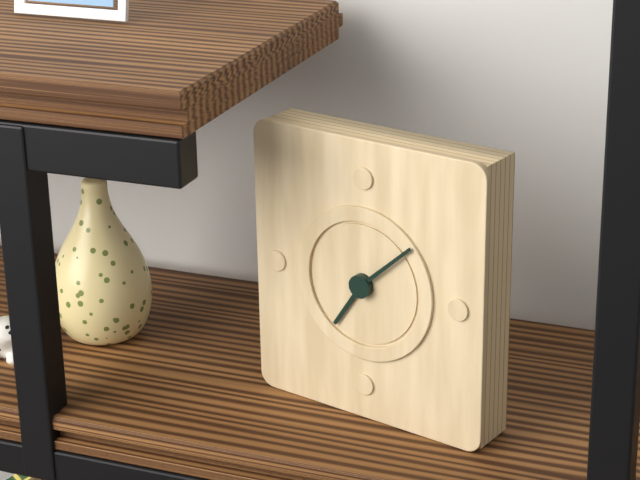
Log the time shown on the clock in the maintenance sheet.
7:08
